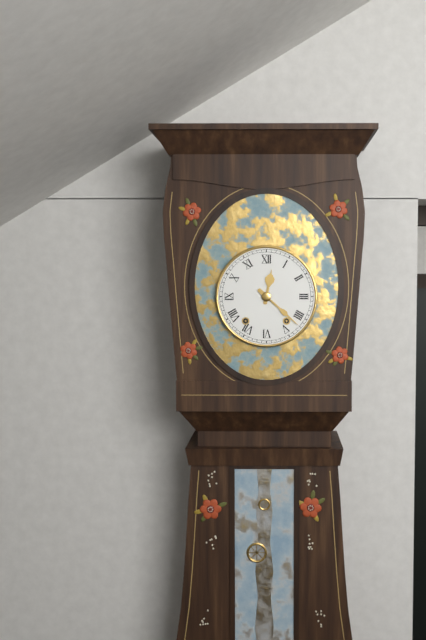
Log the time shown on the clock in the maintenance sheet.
12:22
